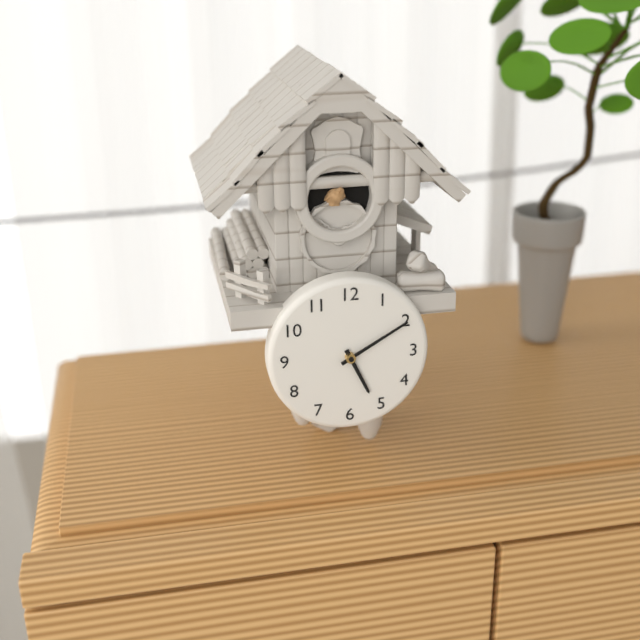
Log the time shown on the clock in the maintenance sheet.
5:10
